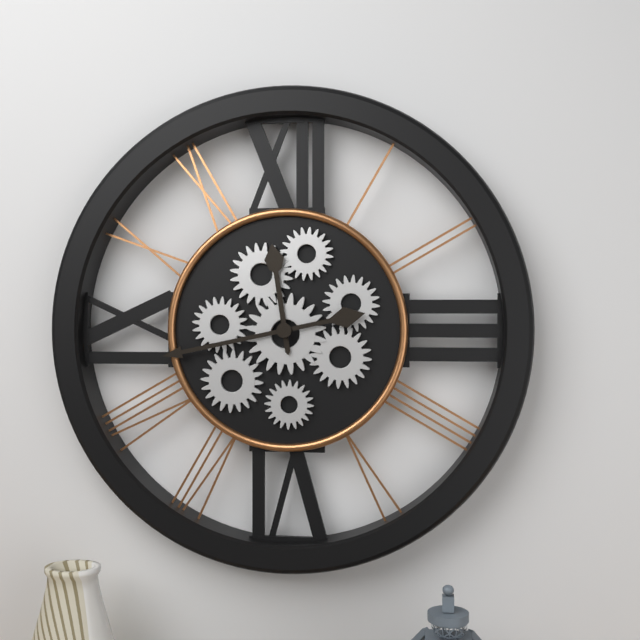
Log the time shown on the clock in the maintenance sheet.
11:43
